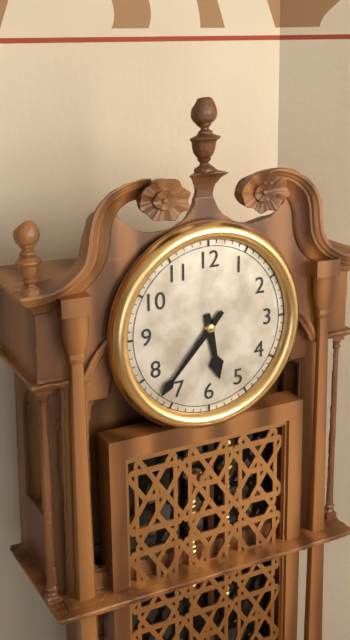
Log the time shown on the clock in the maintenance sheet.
5:37
